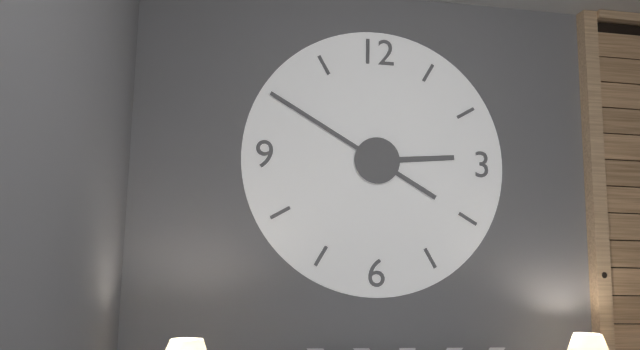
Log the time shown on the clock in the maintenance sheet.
2:50
